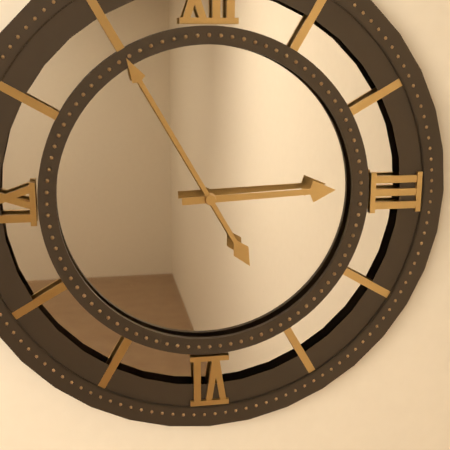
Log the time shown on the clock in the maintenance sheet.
2:55
